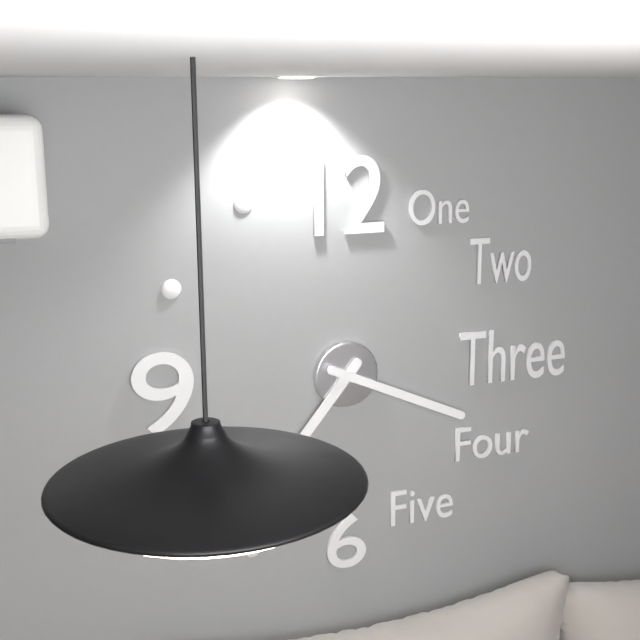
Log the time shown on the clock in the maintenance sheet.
7:19
